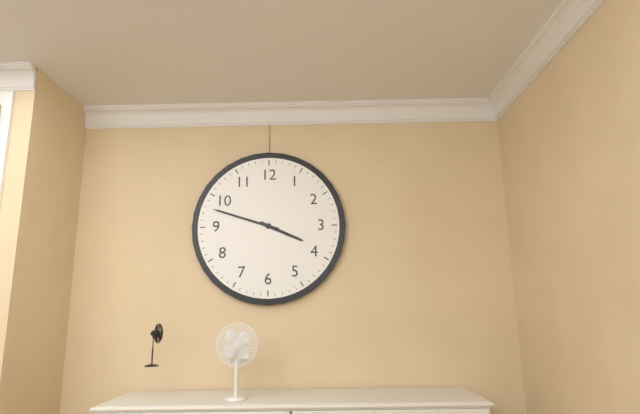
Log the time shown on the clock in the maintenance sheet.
3:48
